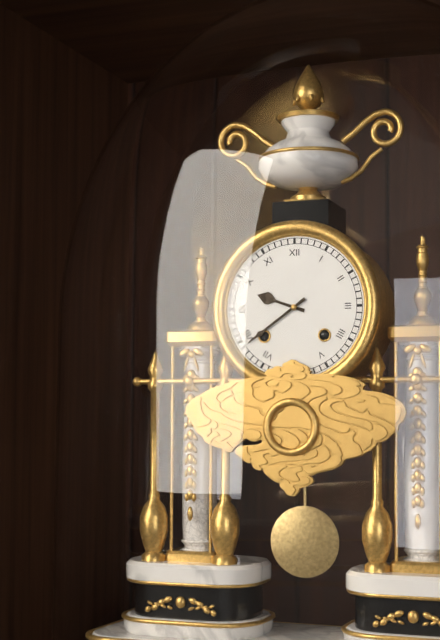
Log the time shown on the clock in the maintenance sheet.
9:39
